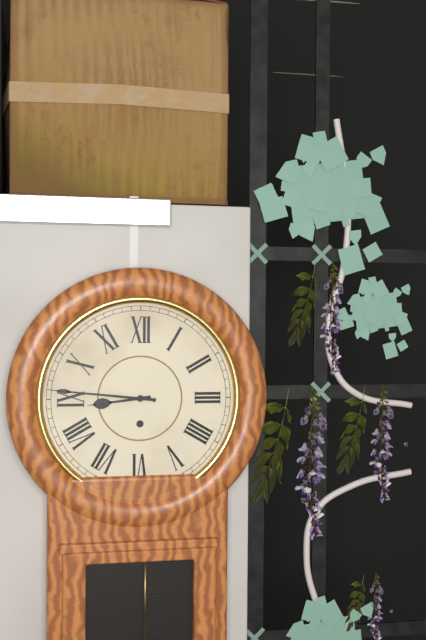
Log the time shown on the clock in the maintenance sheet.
8:46
